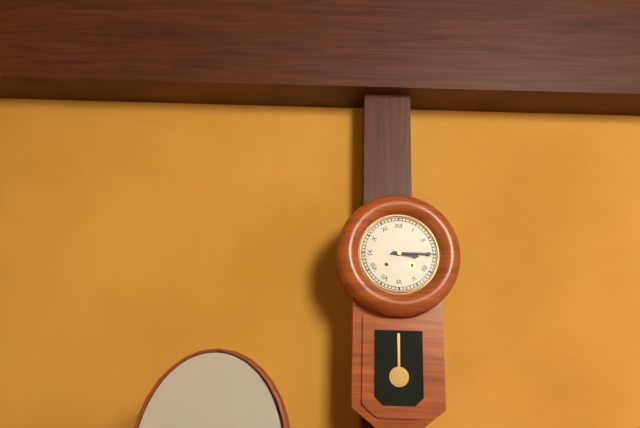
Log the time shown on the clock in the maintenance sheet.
3:15
